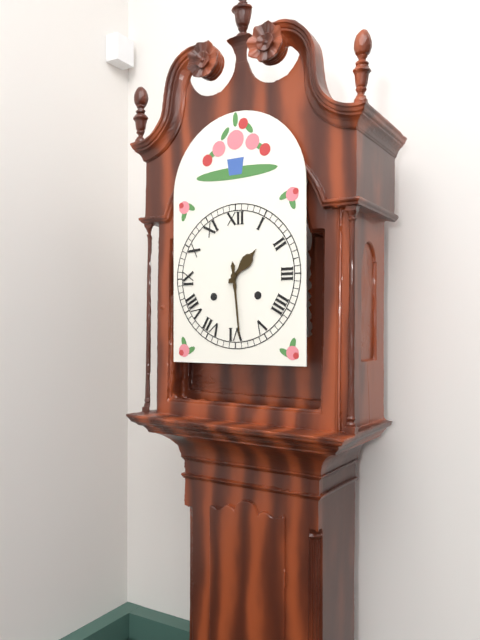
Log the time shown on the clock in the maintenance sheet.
1:29
